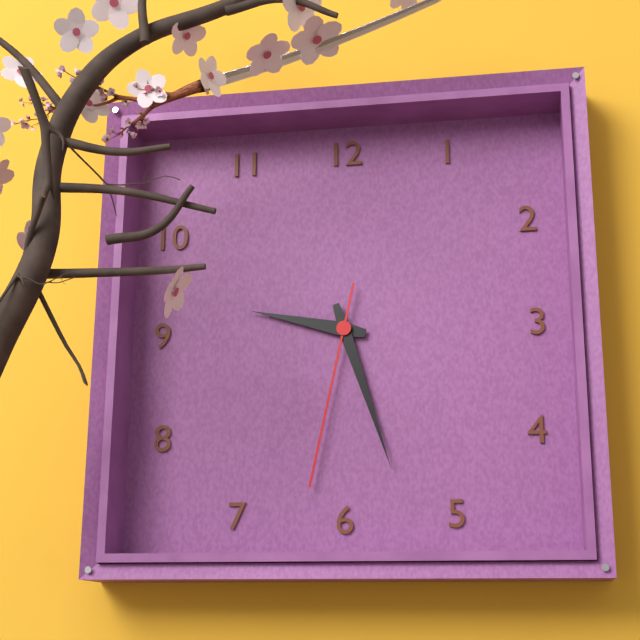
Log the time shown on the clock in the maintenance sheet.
9:27:32
